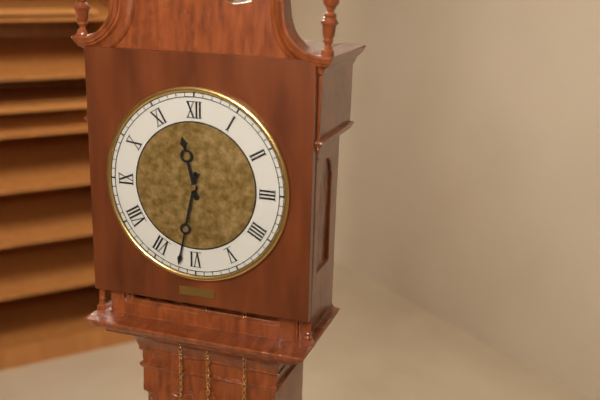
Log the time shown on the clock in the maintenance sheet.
11:32
